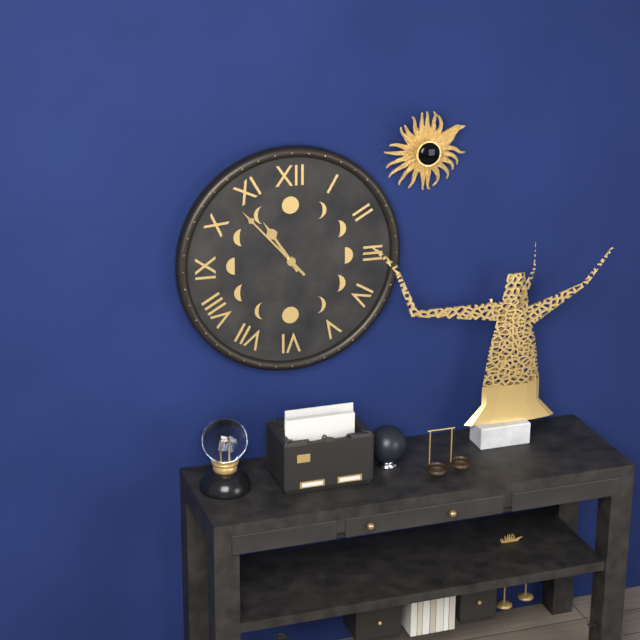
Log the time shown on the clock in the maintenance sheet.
10:53
